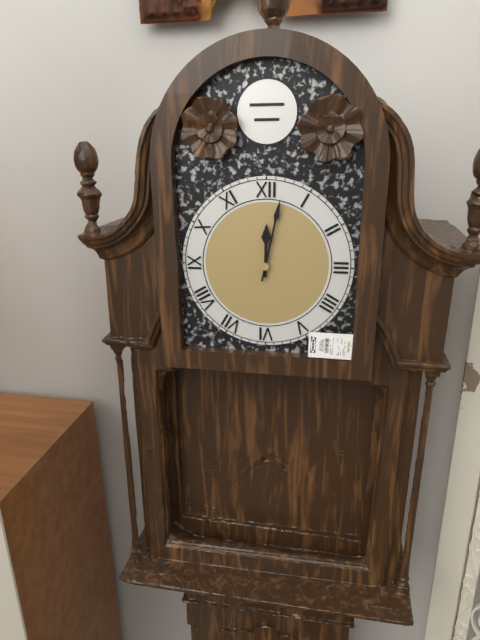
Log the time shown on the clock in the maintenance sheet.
12:02
